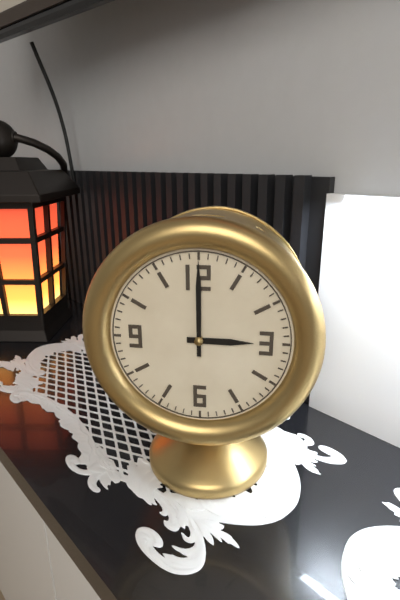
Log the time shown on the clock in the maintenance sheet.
3:00
